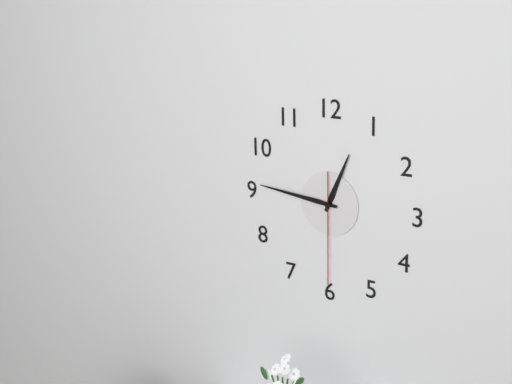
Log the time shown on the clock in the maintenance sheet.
12:46:30
